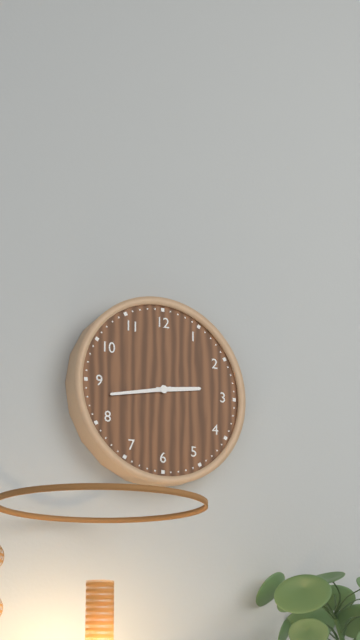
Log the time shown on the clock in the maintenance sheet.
2:43
